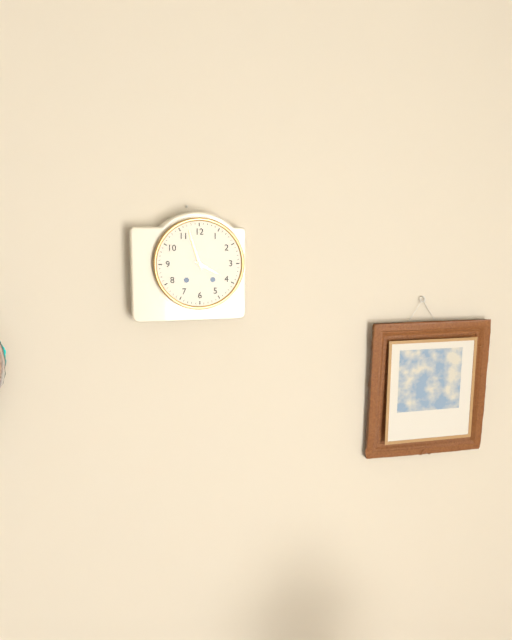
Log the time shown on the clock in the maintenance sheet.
3:57
